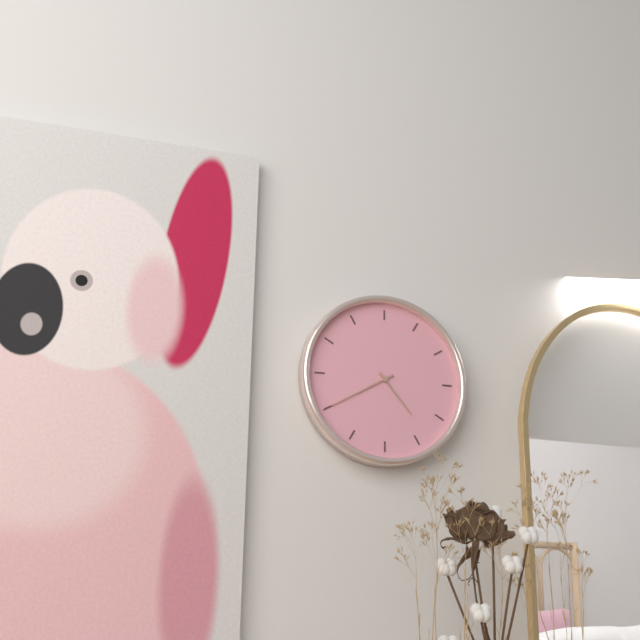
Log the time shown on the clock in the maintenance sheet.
4:40
